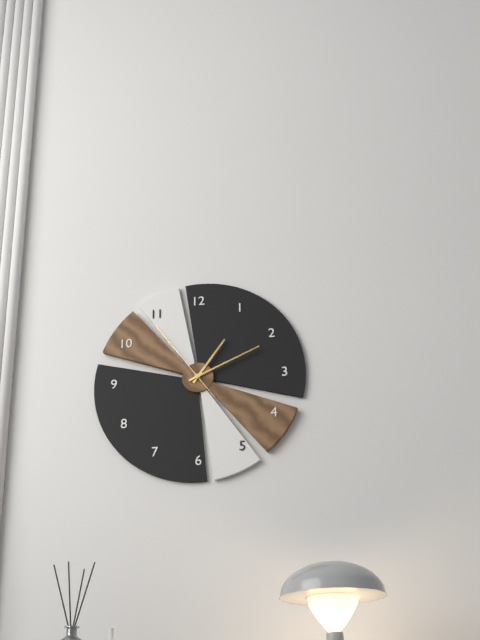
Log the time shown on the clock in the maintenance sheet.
1:11:54
